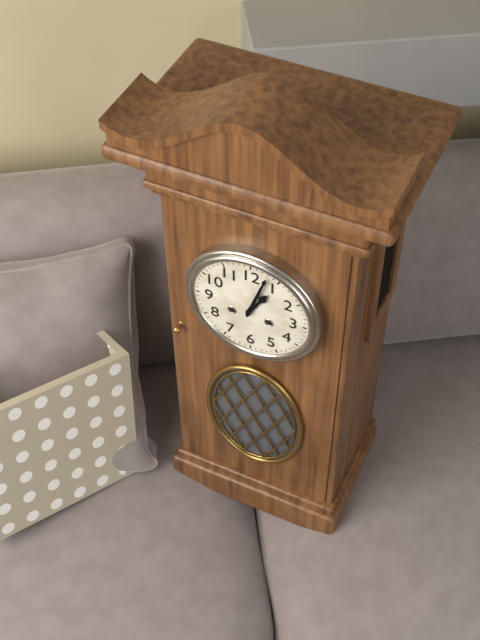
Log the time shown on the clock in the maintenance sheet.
1:03
